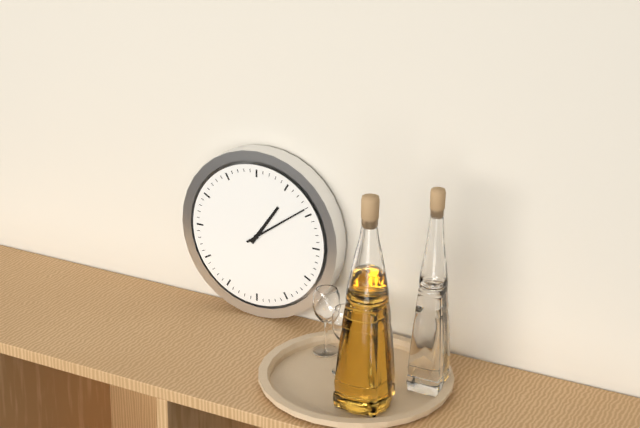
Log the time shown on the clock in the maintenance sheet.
1:09
